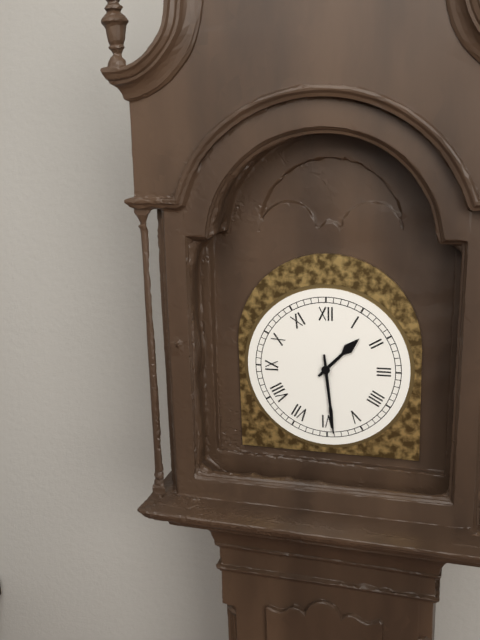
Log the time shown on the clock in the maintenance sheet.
1:29
